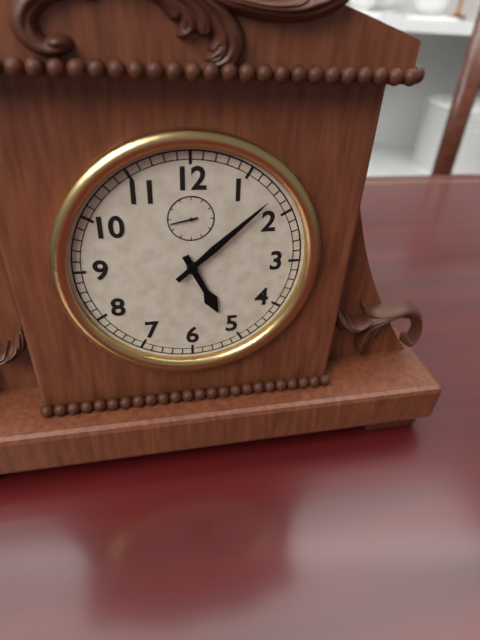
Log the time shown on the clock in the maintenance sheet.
5:08
